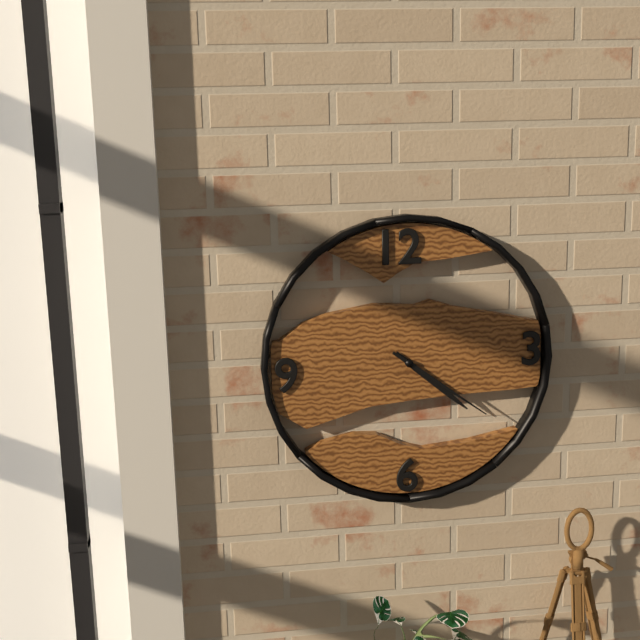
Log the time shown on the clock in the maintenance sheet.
4:21
